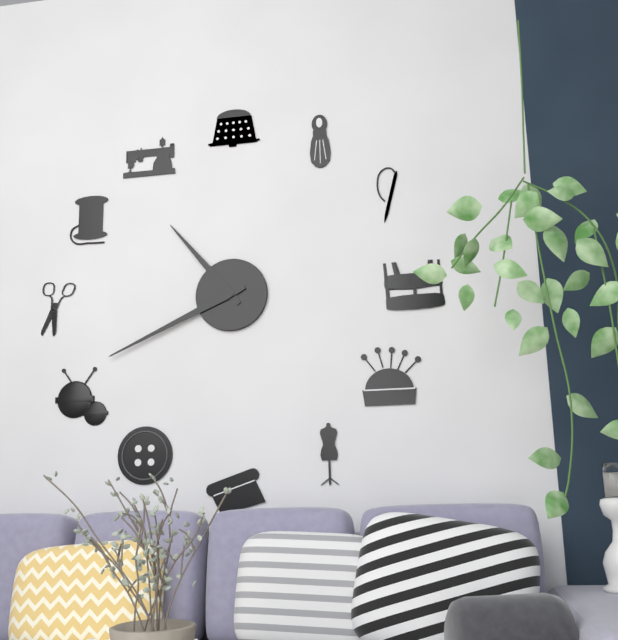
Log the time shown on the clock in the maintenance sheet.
10:41
